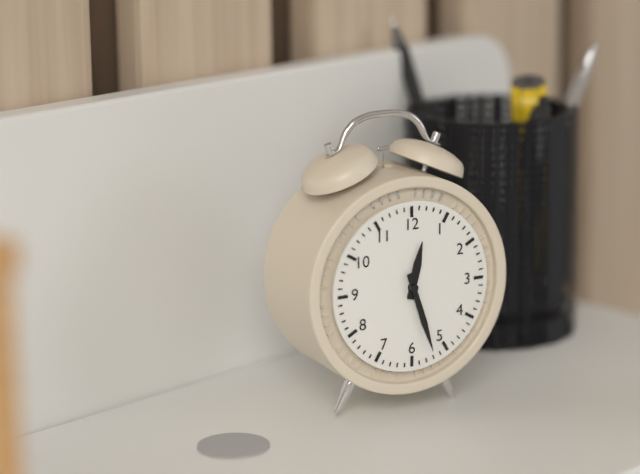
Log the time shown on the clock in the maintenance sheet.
12:27
